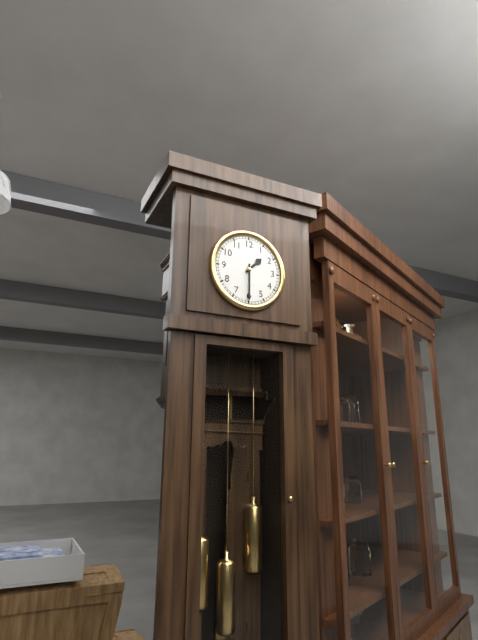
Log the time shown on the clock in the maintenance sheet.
1:30
